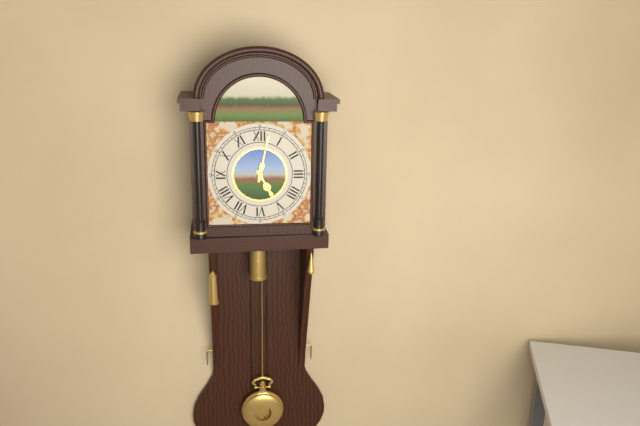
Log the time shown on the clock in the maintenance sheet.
5:02
